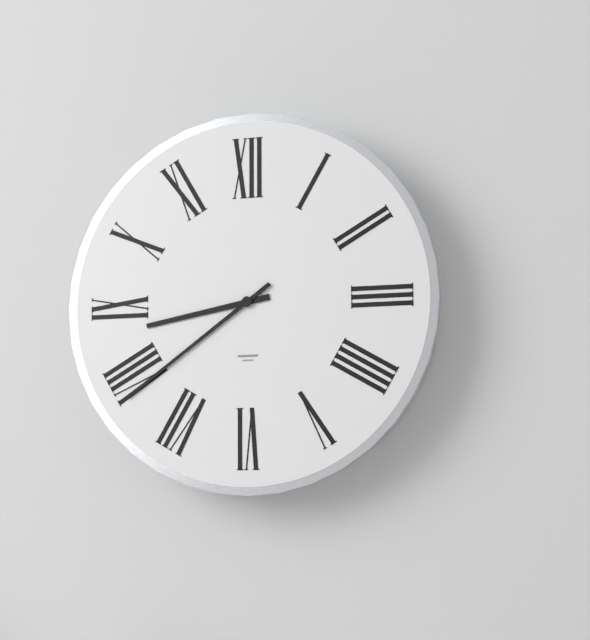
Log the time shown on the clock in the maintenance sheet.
8:39
